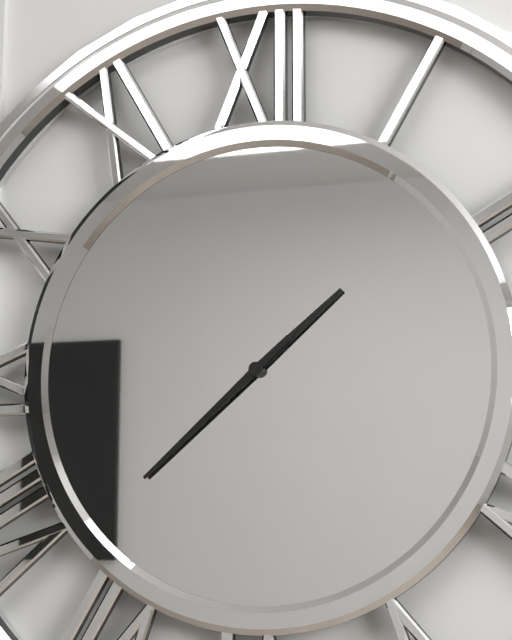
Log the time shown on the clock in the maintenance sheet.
1:38
